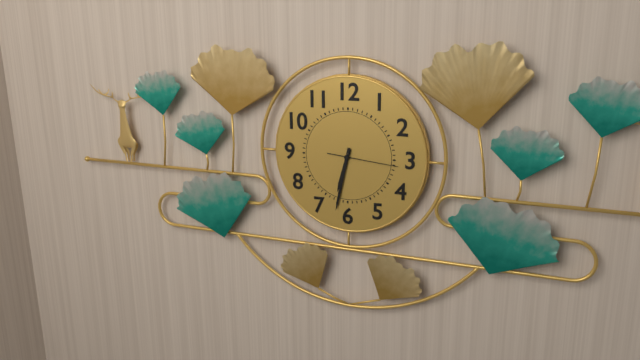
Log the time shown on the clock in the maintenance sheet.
6:32:16
